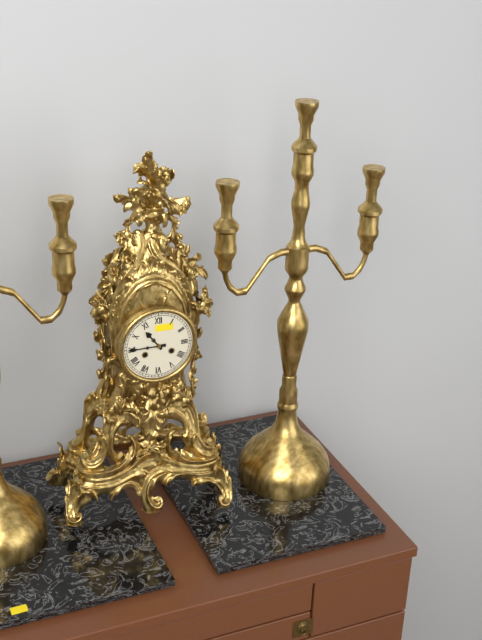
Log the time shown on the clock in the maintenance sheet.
10:45
